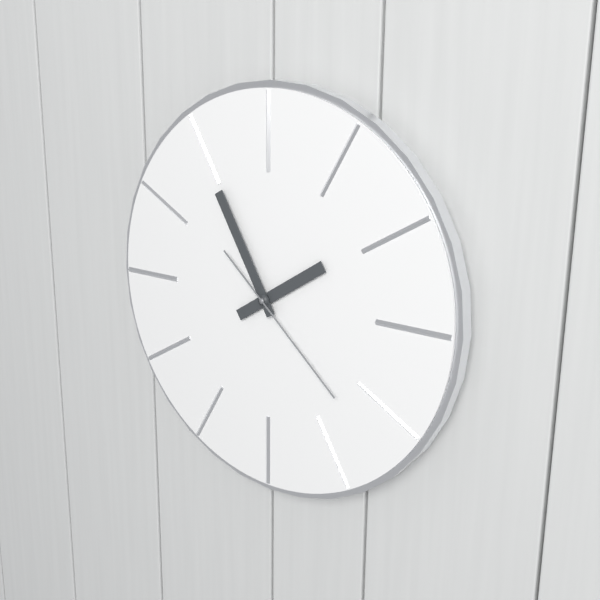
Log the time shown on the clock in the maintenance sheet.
1:55:22
